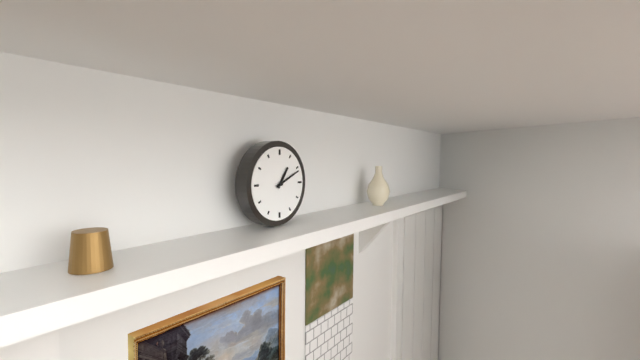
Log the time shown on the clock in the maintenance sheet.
1:11
